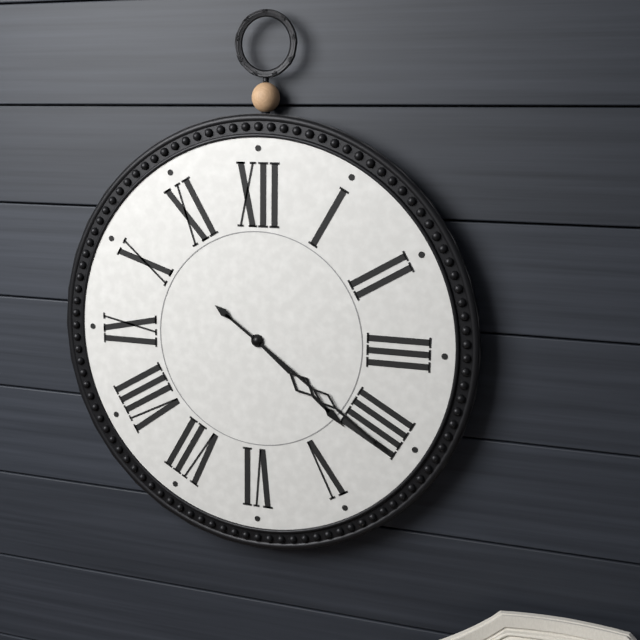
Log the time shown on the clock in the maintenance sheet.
4:21
